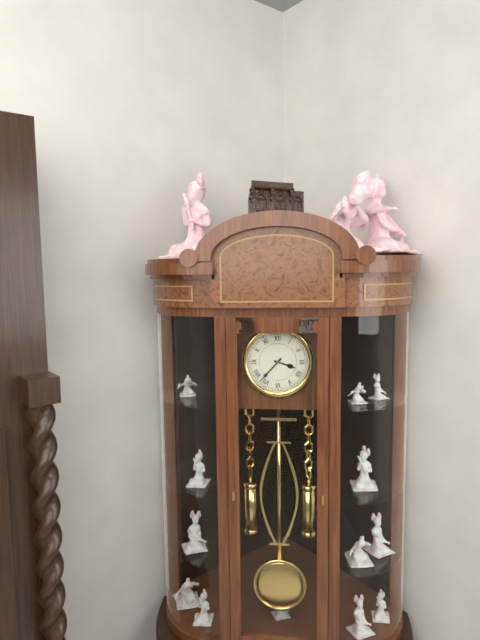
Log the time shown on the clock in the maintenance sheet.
3:37
